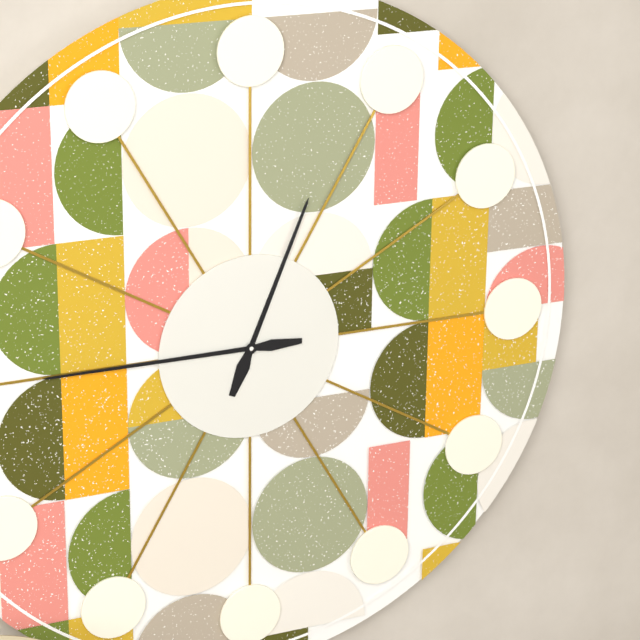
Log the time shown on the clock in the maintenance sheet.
12:45
